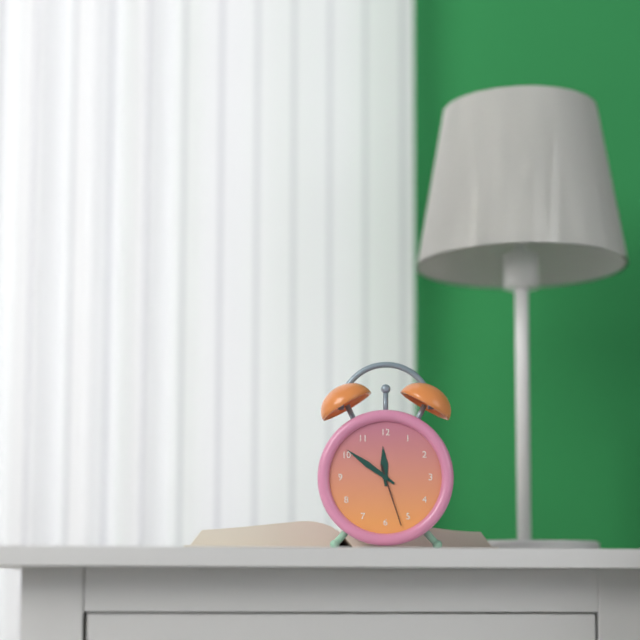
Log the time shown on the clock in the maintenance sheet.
11:51:27
